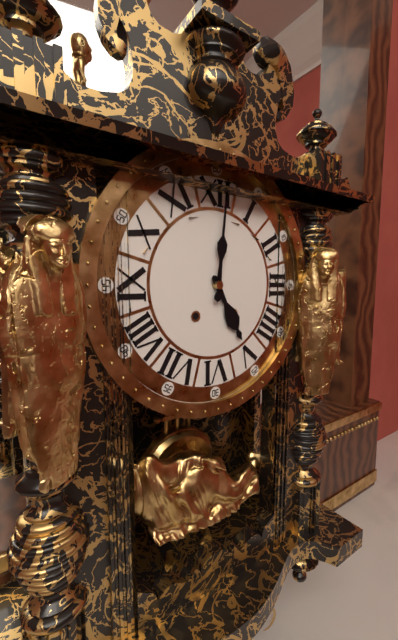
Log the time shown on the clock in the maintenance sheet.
5:01
